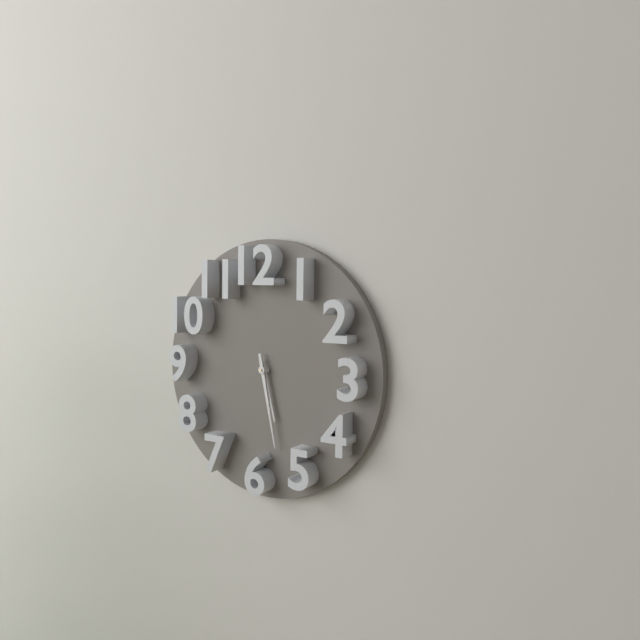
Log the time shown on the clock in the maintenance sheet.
5:28
